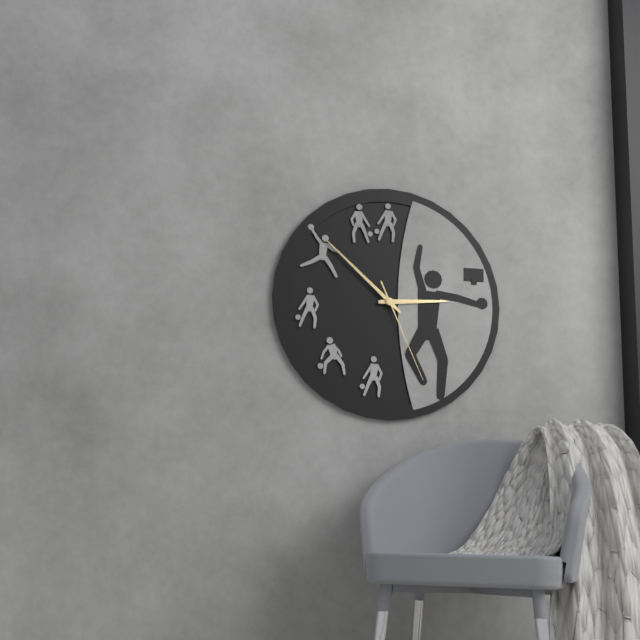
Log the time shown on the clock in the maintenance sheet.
2:52:26
